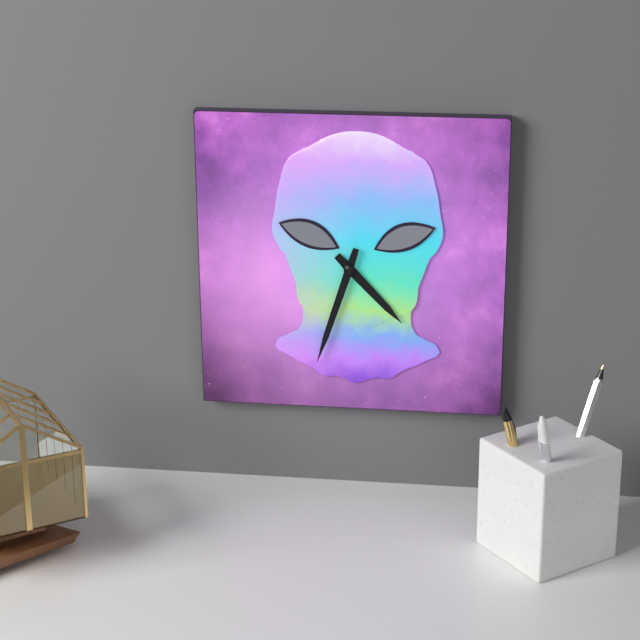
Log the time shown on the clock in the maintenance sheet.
4:33
